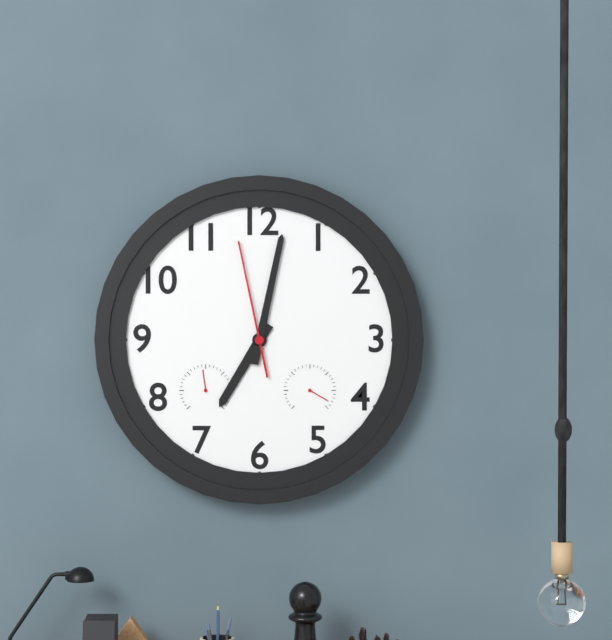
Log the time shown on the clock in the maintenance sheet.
7:02:58
